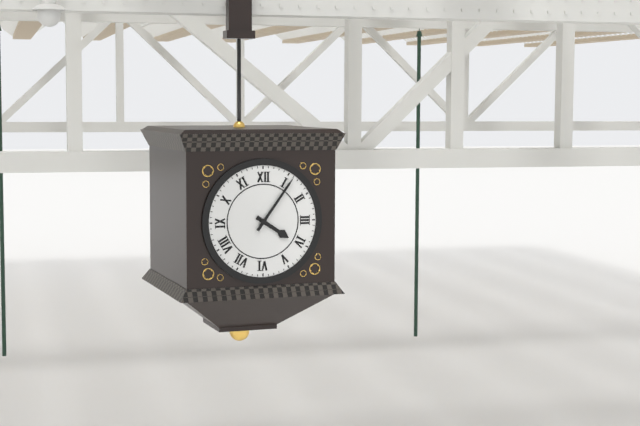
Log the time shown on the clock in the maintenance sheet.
4:06
